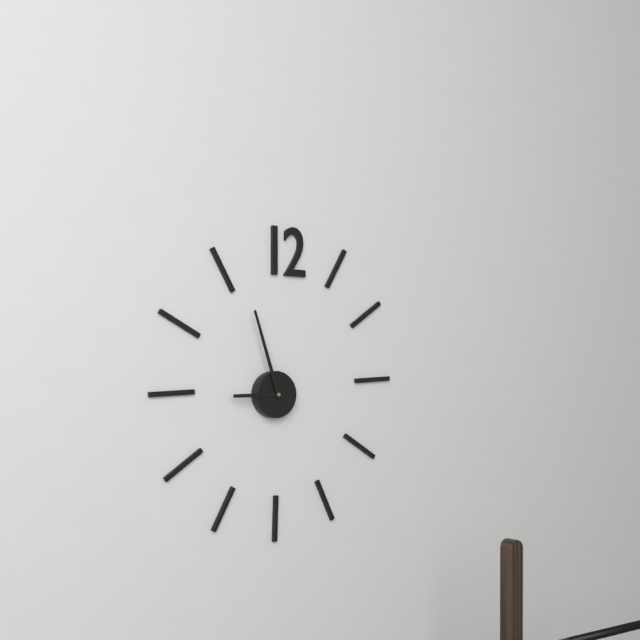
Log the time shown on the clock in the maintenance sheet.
8:57
